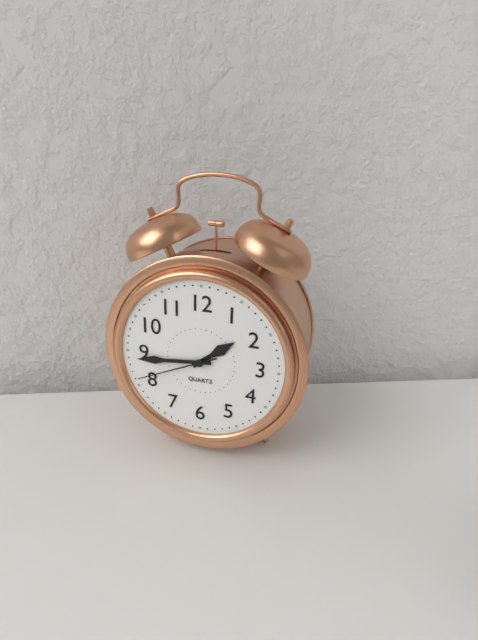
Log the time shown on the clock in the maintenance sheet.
1:44:41
